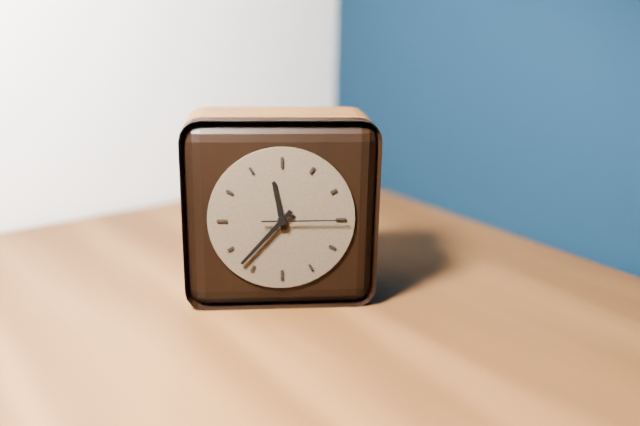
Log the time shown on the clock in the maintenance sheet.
11:37:15
